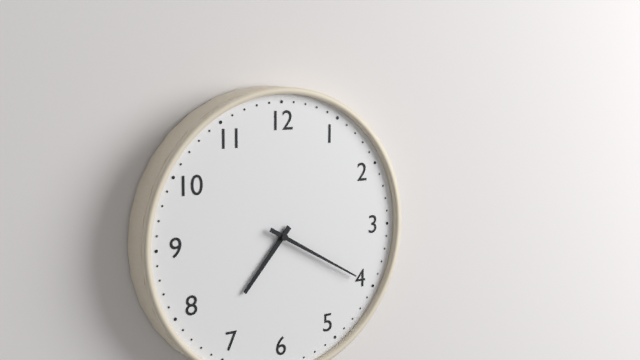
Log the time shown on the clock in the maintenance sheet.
7:20
